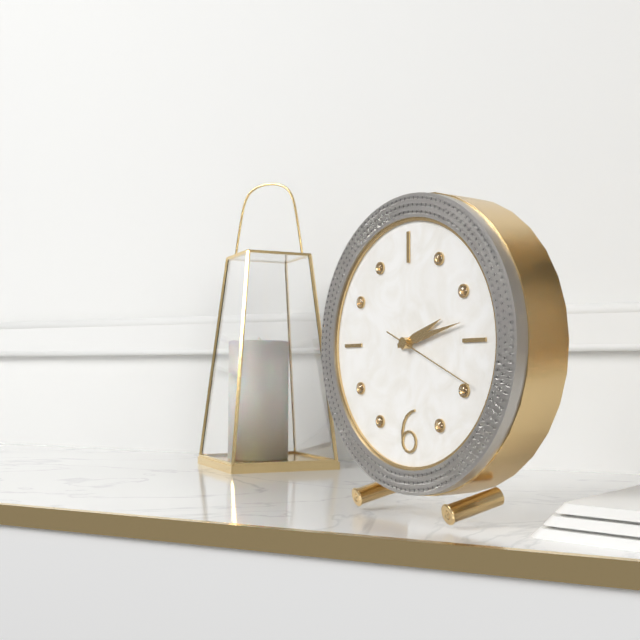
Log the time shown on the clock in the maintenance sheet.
2:13:19
